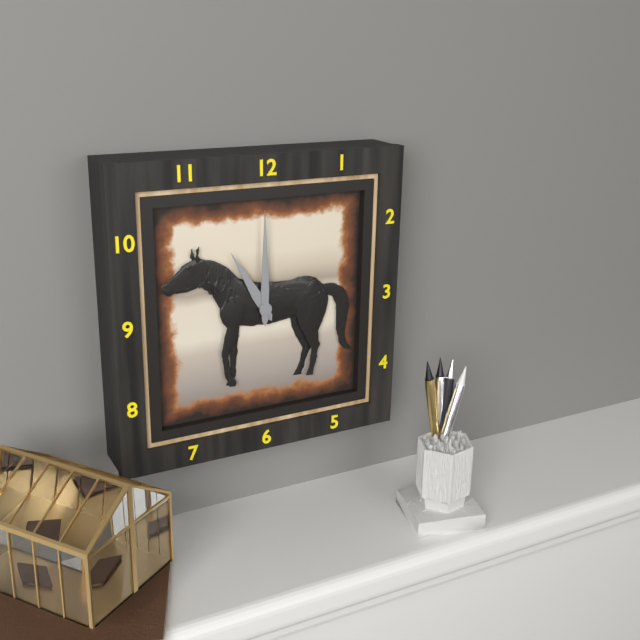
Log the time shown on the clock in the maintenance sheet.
11:00
